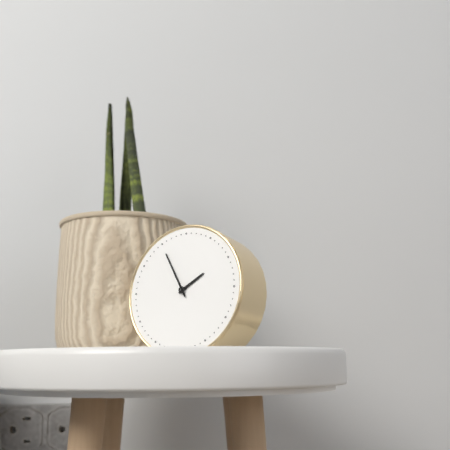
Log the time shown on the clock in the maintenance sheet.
1:55
